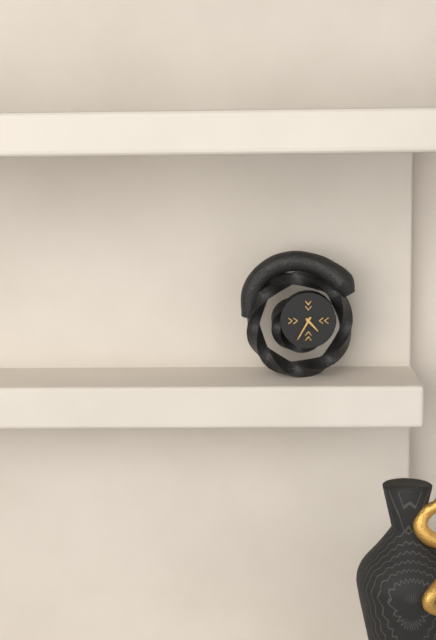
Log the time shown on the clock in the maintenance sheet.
4:35
